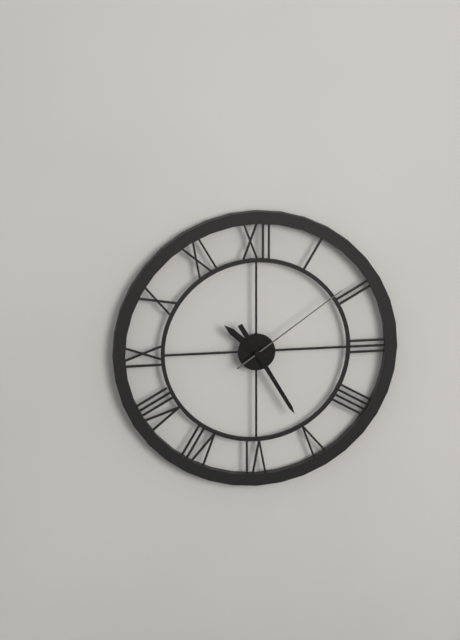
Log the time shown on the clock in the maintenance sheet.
10:25:09
